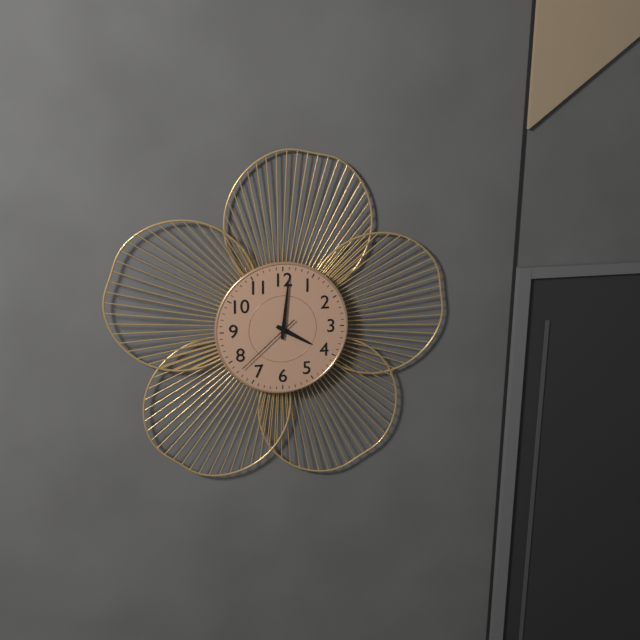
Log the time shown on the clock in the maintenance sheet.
4:01:38
